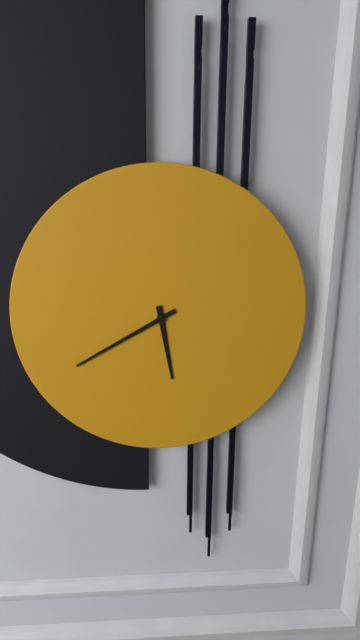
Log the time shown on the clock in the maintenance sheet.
5:40
